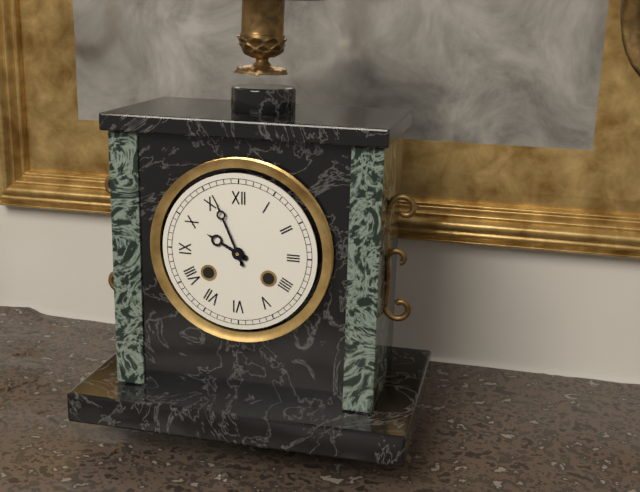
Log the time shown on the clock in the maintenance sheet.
9:56
